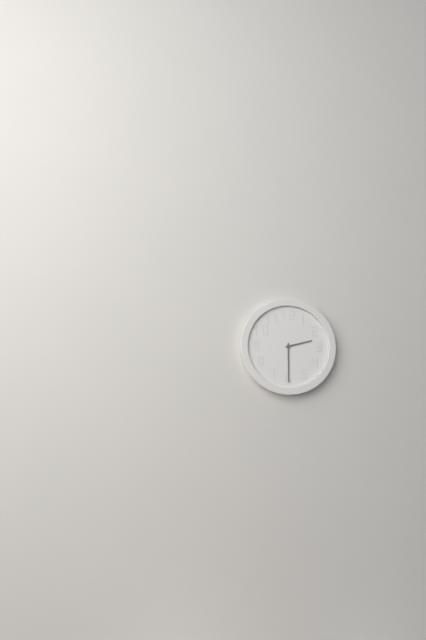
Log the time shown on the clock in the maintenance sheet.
2:30
